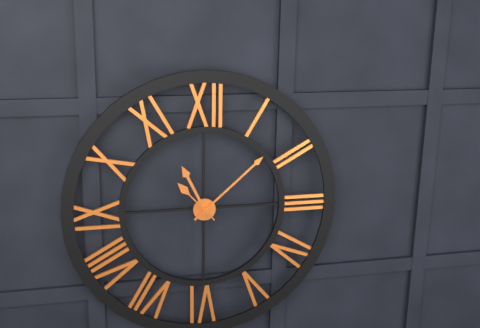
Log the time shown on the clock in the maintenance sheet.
11:08
